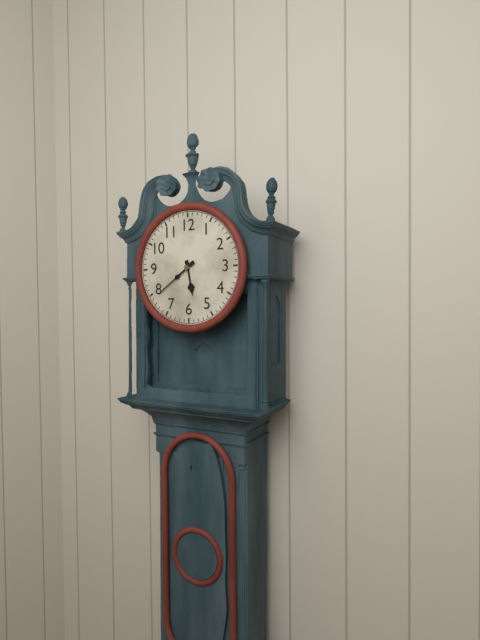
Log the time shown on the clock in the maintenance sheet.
5:39
